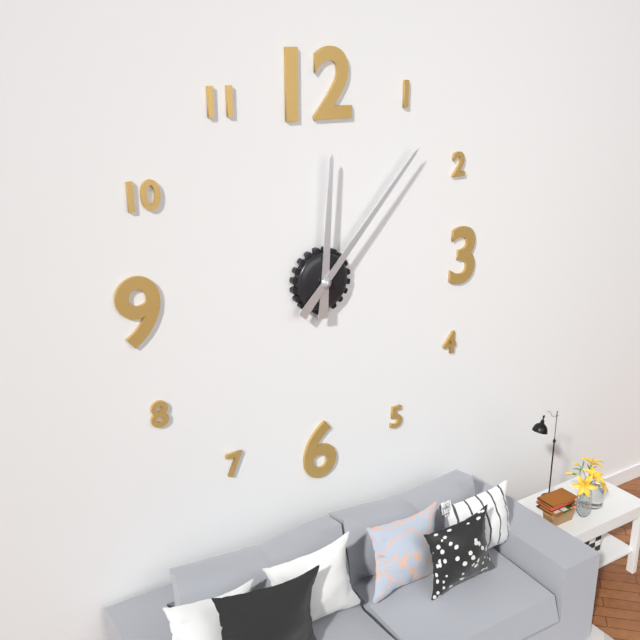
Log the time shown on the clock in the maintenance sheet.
12:07
